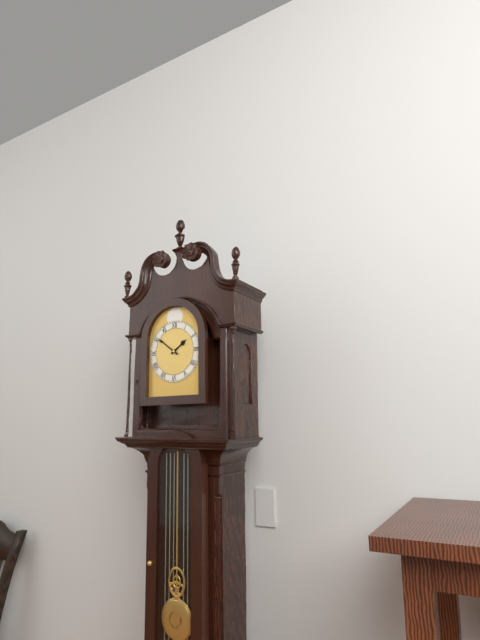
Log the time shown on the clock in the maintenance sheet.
1:51
